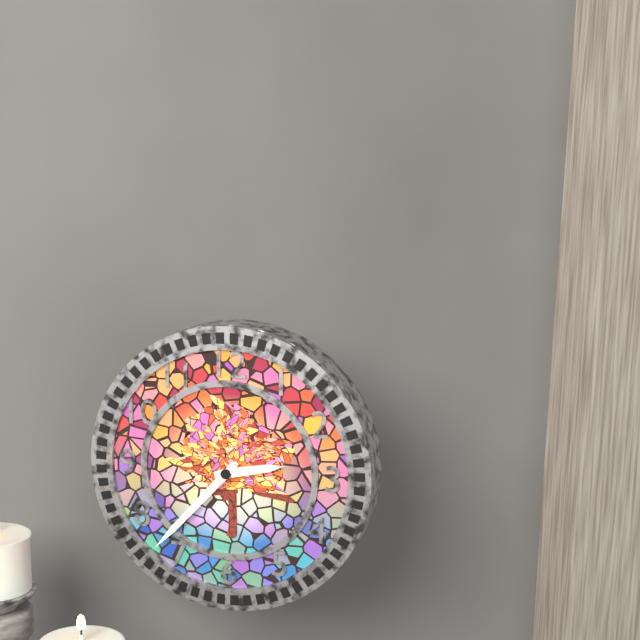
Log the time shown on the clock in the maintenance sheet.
2:37
